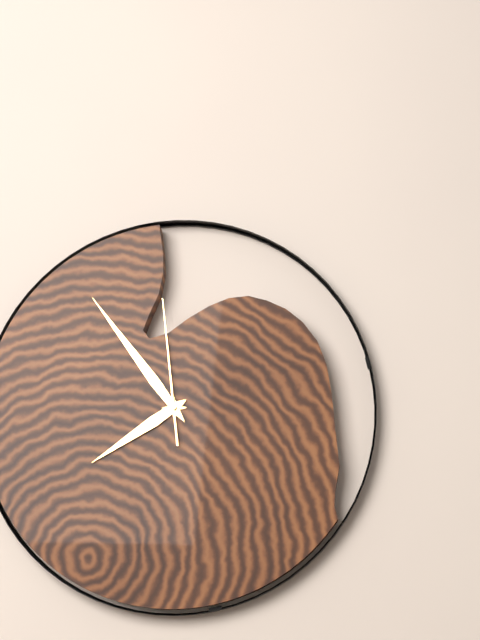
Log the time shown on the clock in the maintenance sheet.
7:54:59
